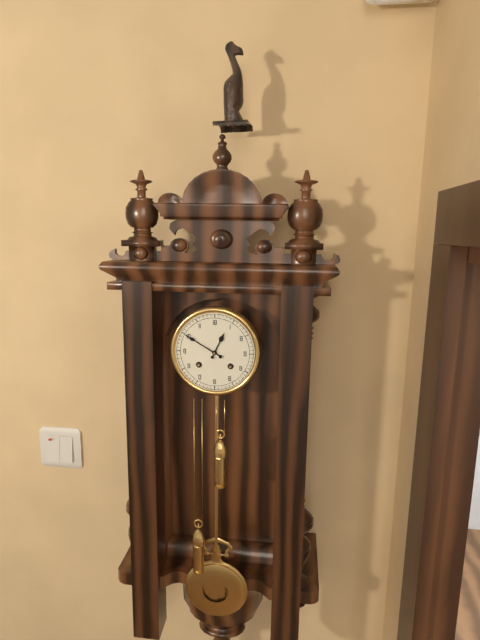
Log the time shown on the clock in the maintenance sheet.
12:50
